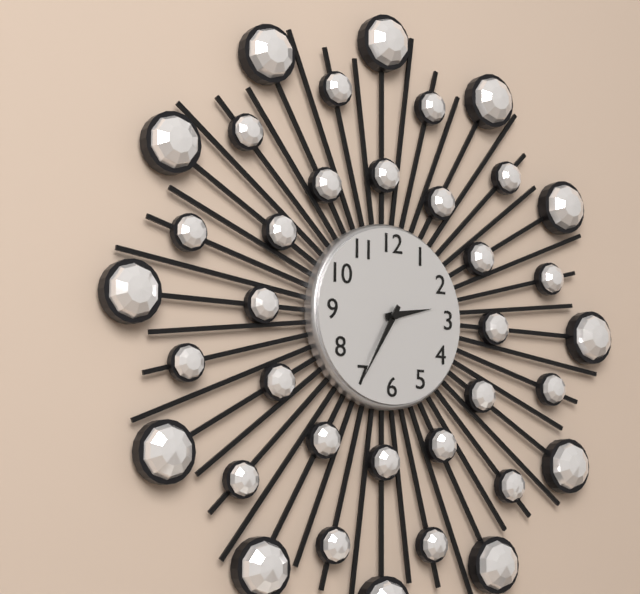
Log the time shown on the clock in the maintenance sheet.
2:35
